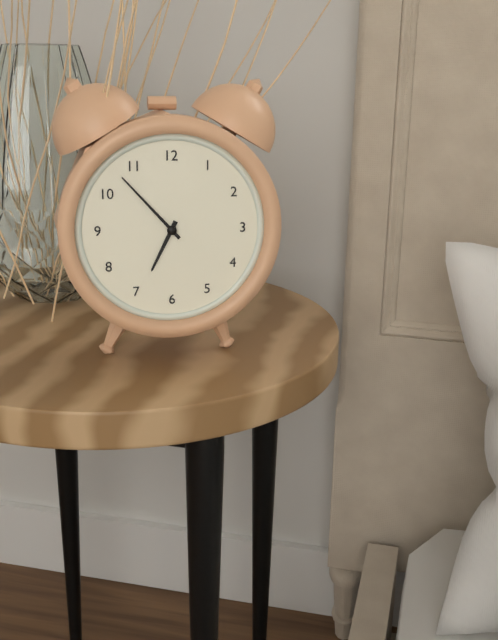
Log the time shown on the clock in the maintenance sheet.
6:53
